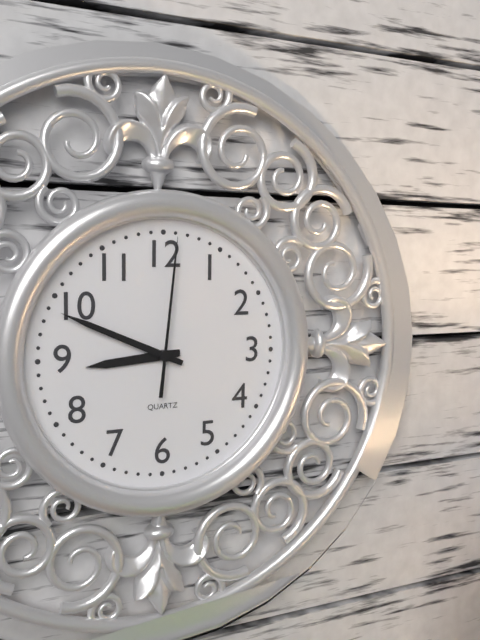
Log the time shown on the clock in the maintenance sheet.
8:49:01
